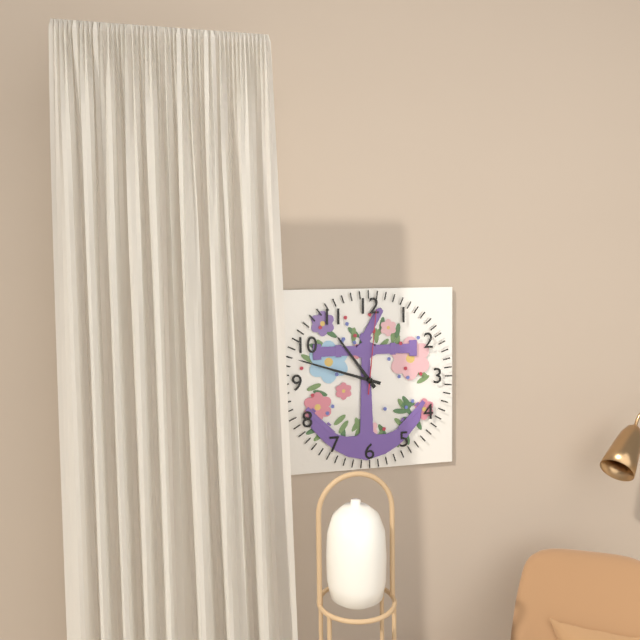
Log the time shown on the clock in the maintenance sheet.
10:48:01
